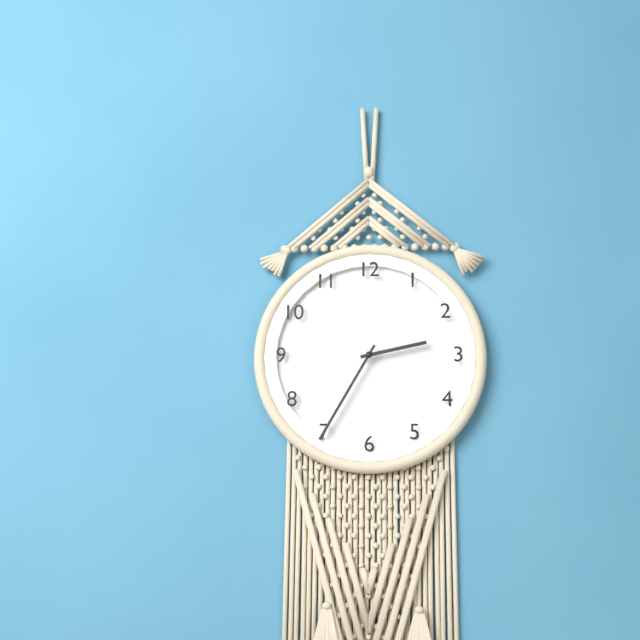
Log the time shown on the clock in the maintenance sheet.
2:35
